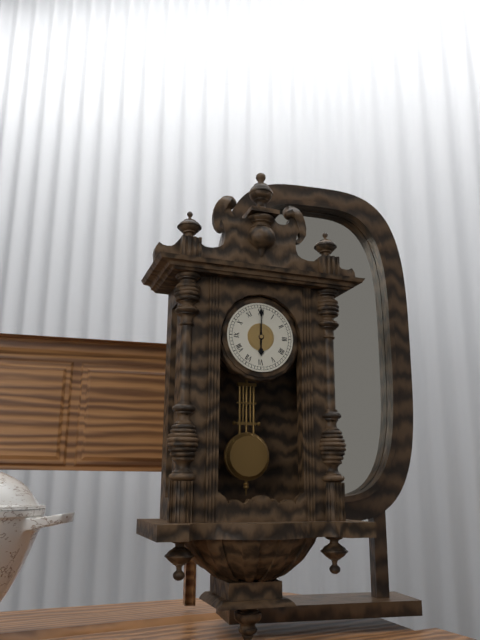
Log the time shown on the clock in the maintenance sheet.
6:00
